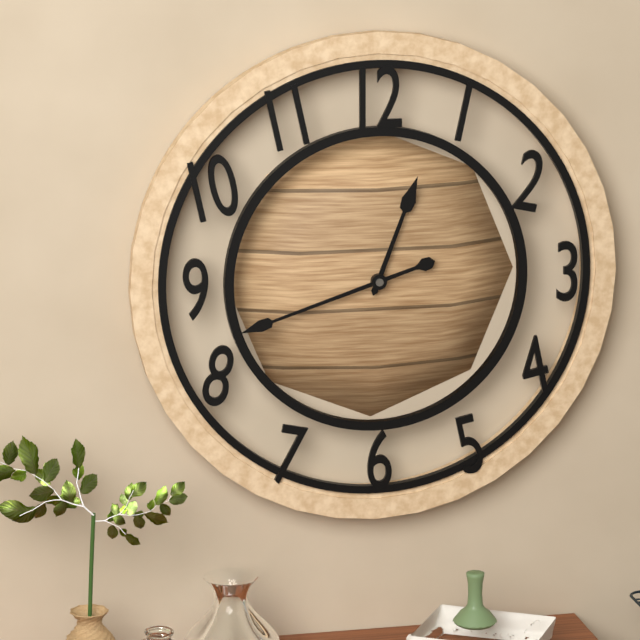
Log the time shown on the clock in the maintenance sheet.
12:42
